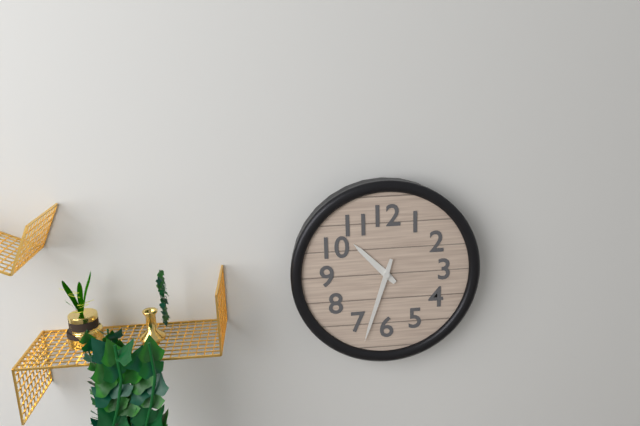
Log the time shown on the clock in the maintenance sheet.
10:33
